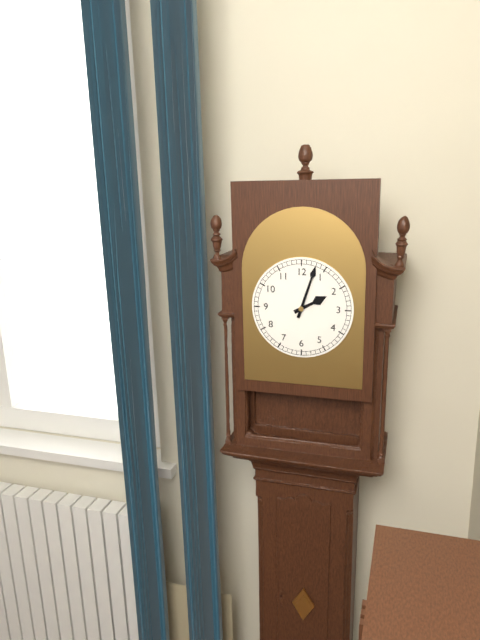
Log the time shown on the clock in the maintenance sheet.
2:03
